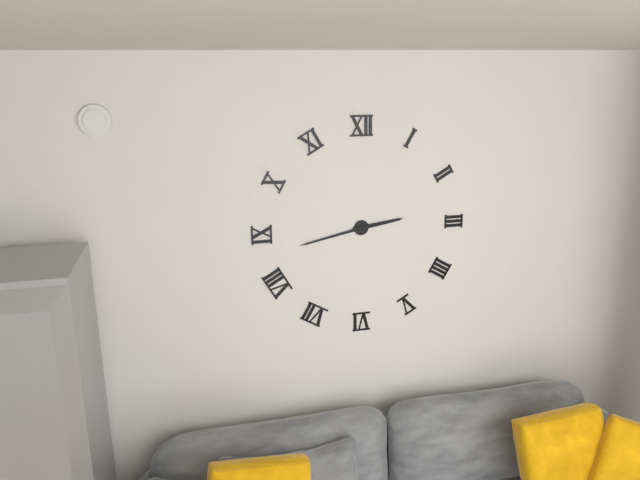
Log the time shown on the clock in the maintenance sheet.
2:43
